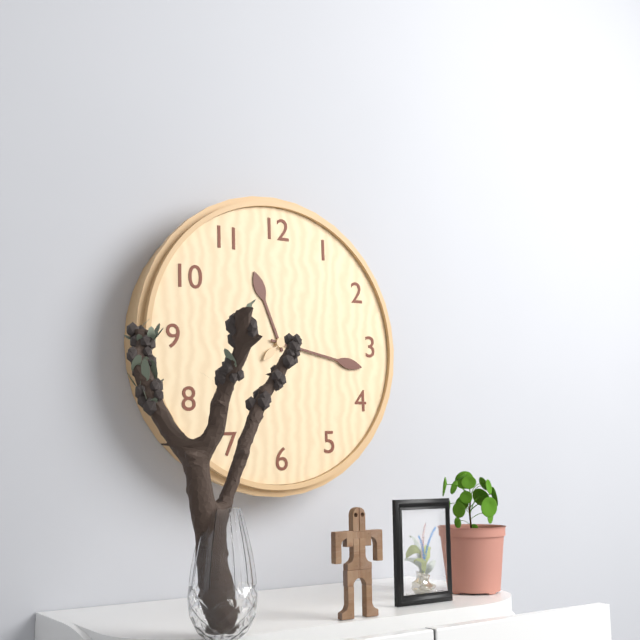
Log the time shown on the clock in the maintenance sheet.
11:17
